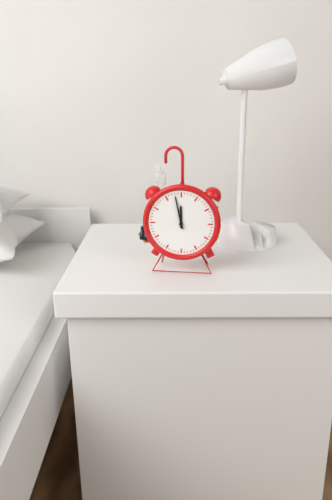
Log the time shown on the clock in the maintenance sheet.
11:58
